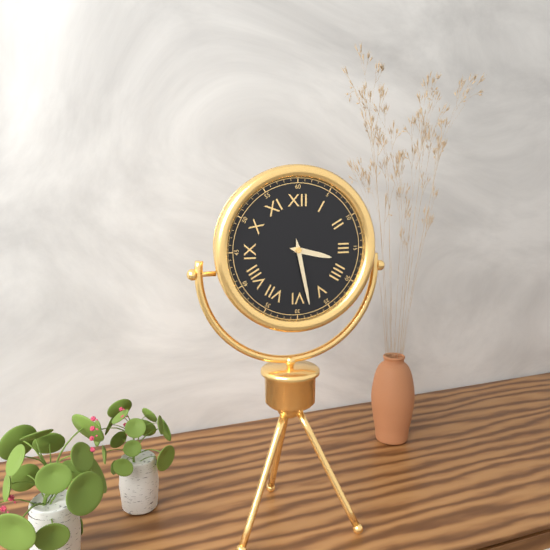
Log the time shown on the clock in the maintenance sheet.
3:28
